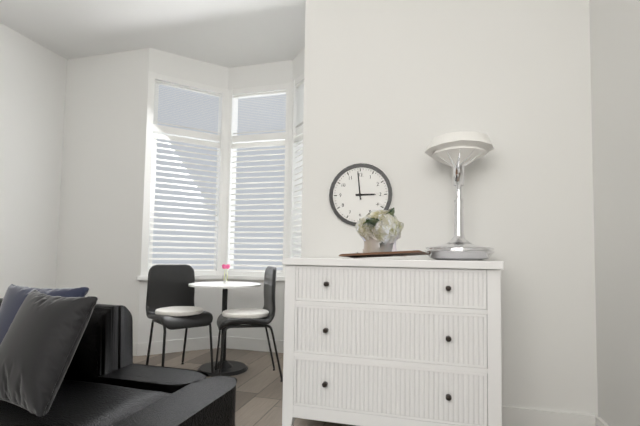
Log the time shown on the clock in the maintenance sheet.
2:59
